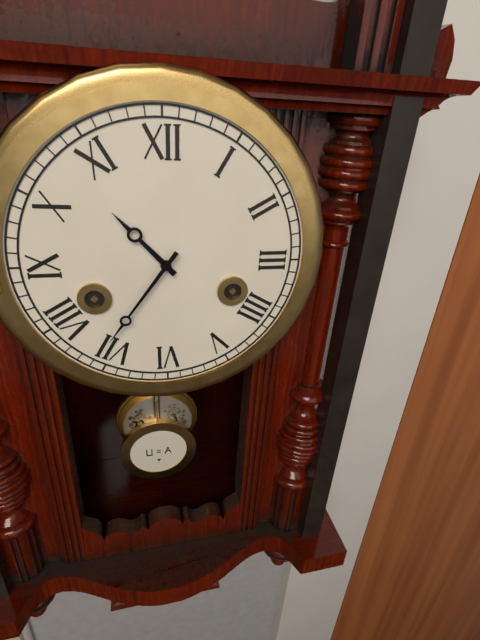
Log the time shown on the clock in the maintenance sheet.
10:36
